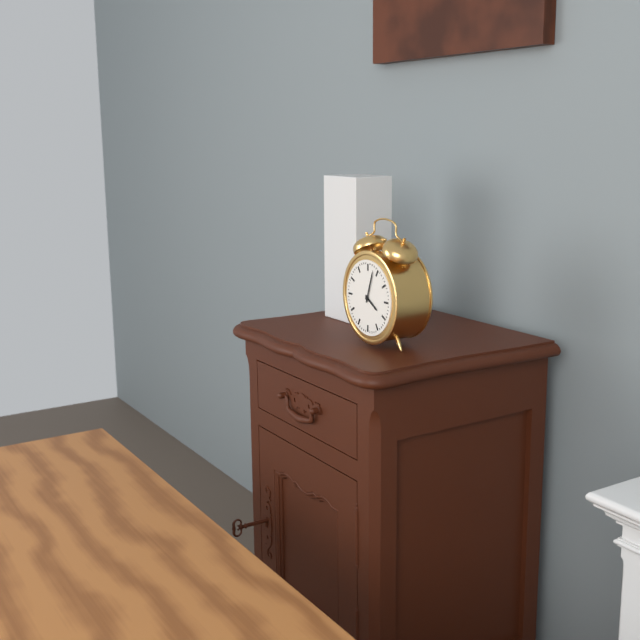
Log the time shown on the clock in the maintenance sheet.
4:03
